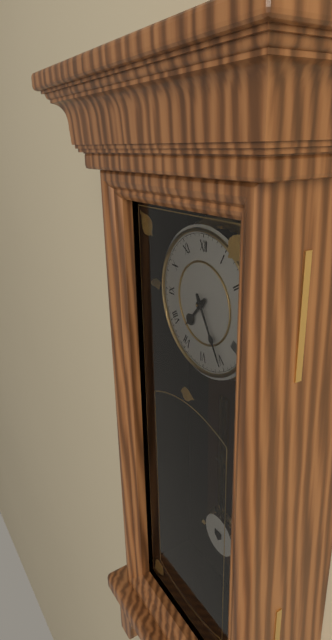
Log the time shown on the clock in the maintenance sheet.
7:25
